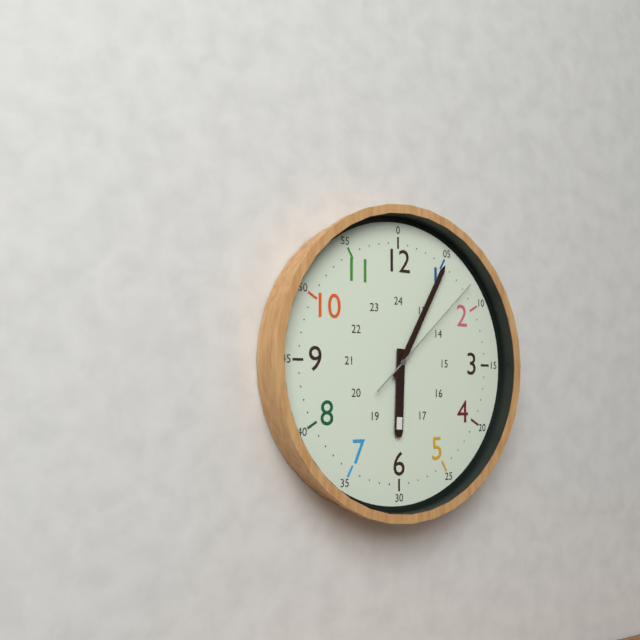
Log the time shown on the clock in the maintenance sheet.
6:05:08
